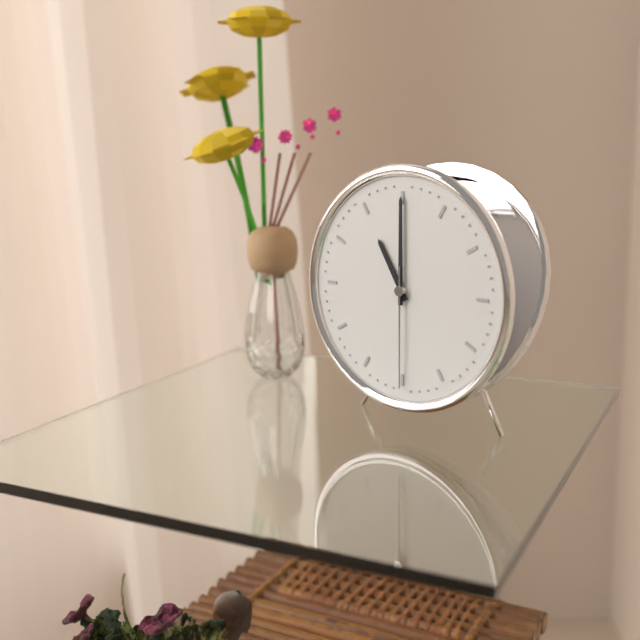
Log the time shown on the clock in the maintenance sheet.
11:00:30
